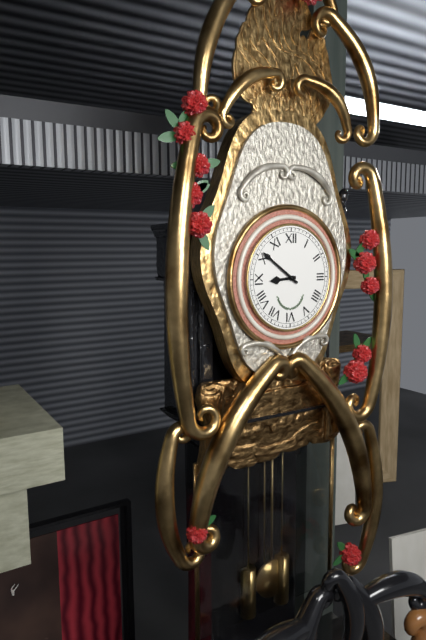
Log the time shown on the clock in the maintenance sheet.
8:51
